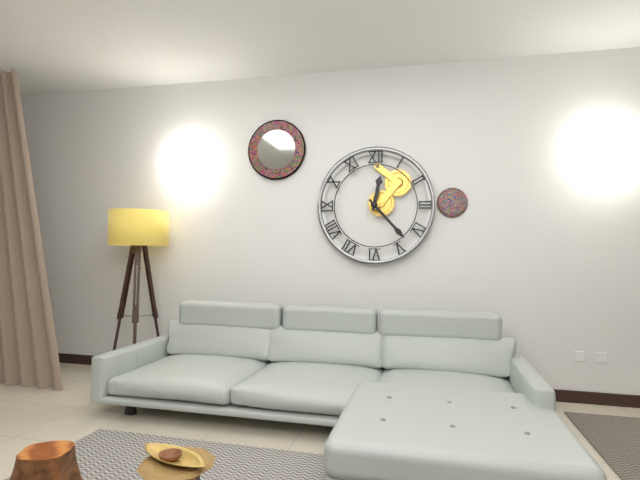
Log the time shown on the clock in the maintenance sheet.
12:23
